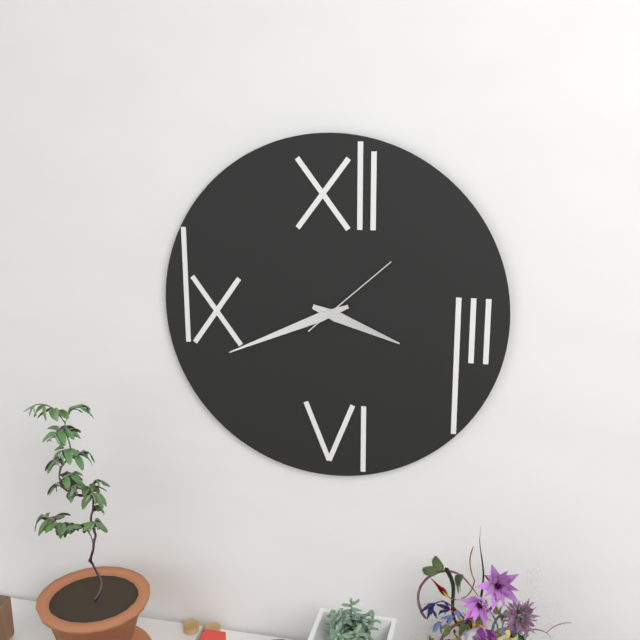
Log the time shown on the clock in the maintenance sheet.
3:41:08
